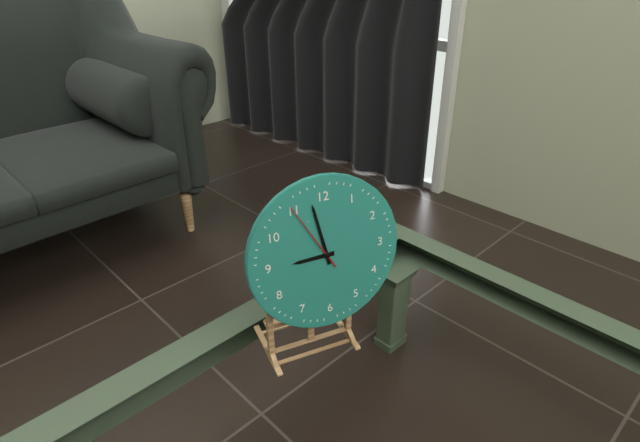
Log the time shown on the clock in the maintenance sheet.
8:58:55
